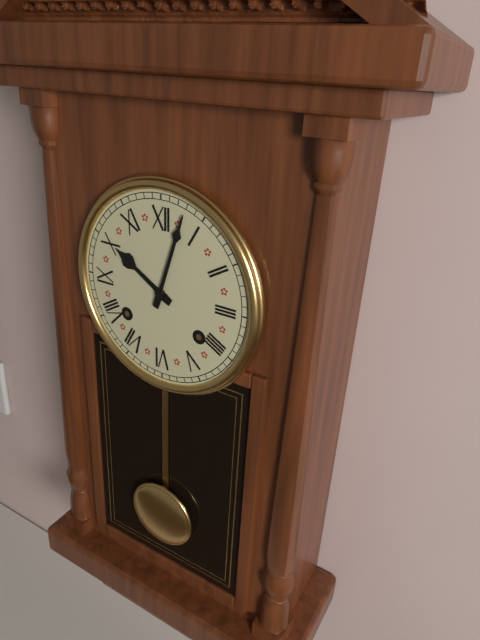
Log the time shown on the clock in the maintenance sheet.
10:03
